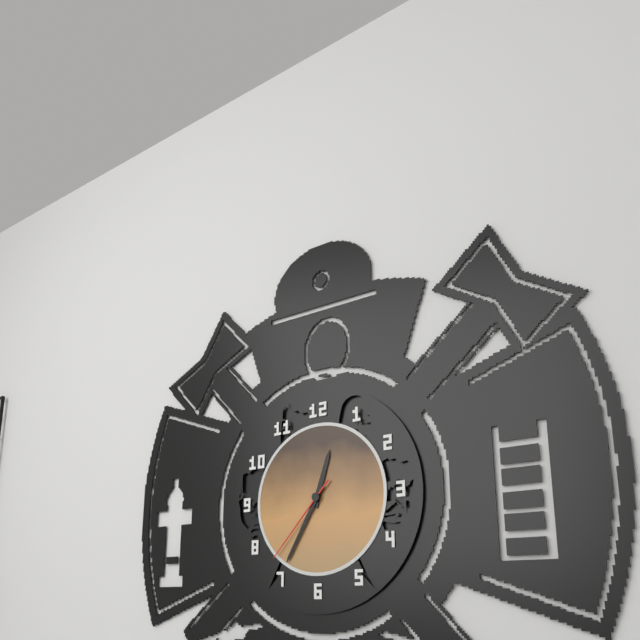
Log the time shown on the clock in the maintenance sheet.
12:35:37
